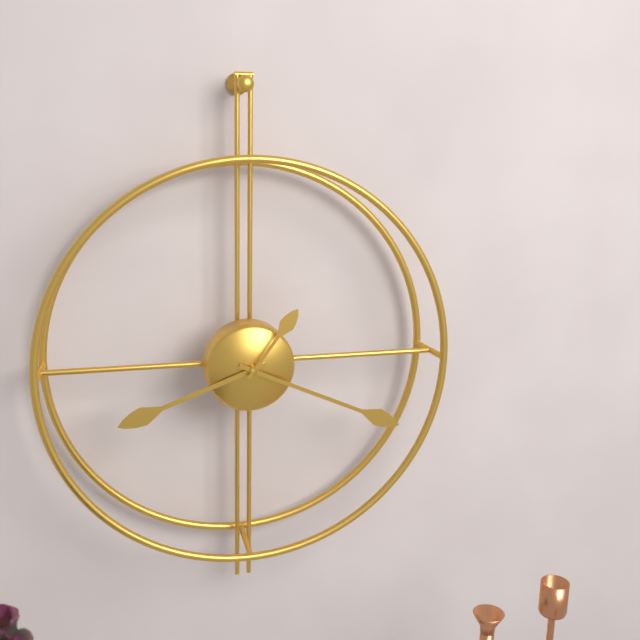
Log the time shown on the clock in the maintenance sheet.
8:19:06
